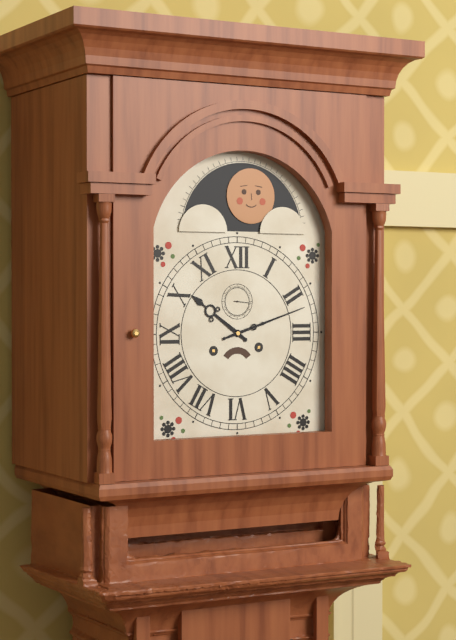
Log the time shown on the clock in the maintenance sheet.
10:12
